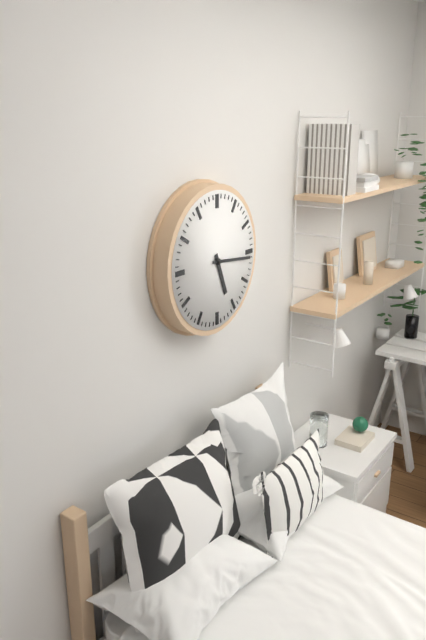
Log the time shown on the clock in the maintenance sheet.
5:16
